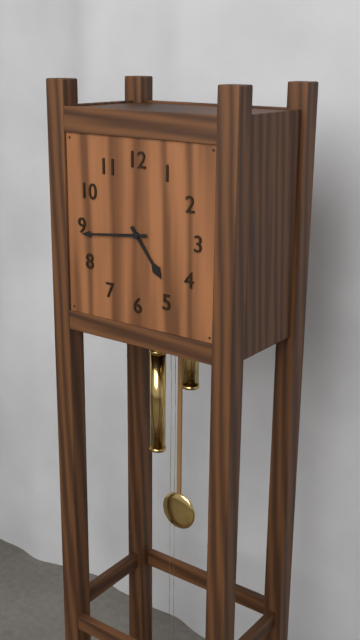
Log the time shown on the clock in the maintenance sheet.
4:44
